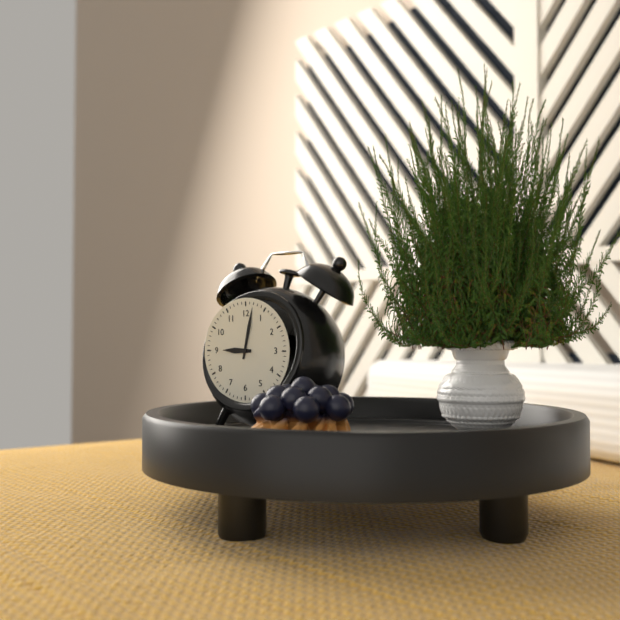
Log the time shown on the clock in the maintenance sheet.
9:02
